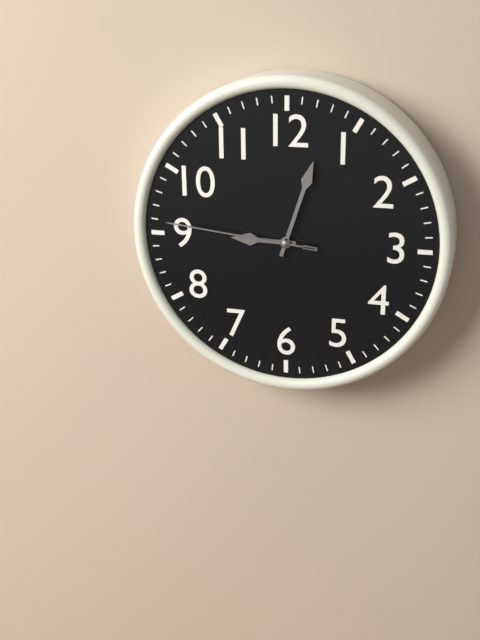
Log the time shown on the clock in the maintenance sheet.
9:03:46
